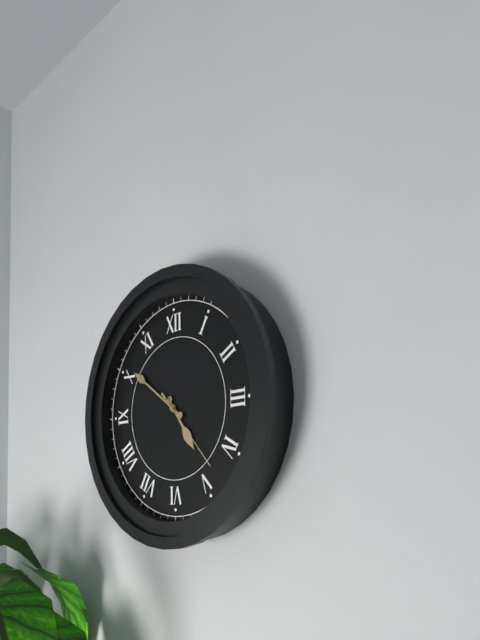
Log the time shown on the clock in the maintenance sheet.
4:51:23
